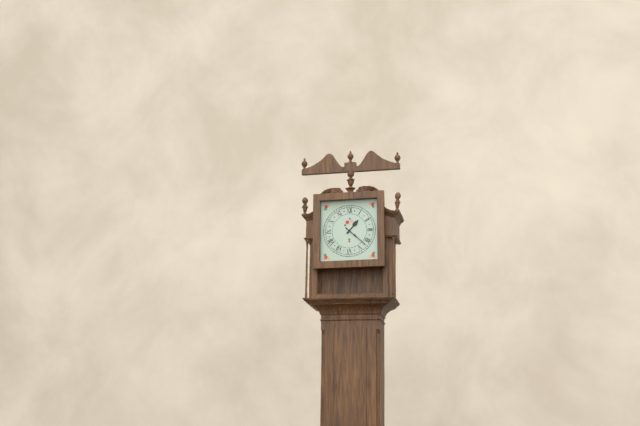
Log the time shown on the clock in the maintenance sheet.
1:22
